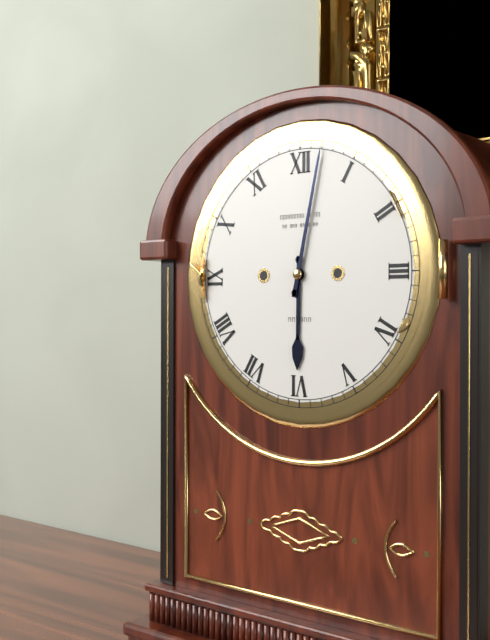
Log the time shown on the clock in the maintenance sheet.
6:02
